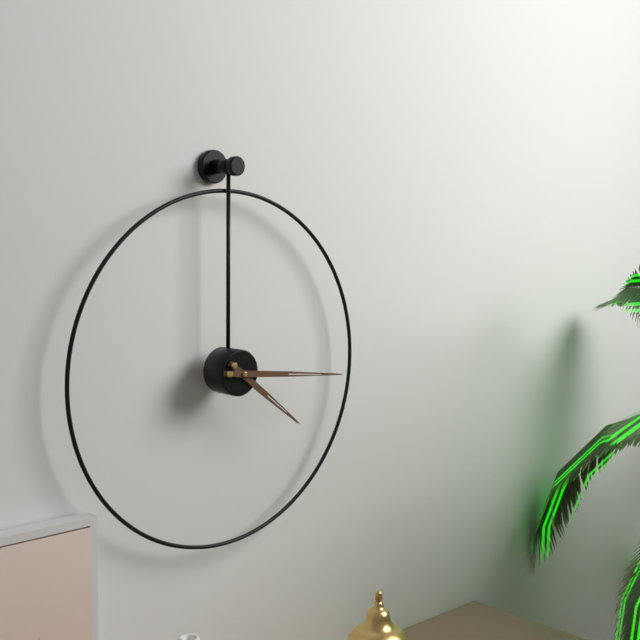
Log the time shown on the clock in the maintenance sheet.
4:16
